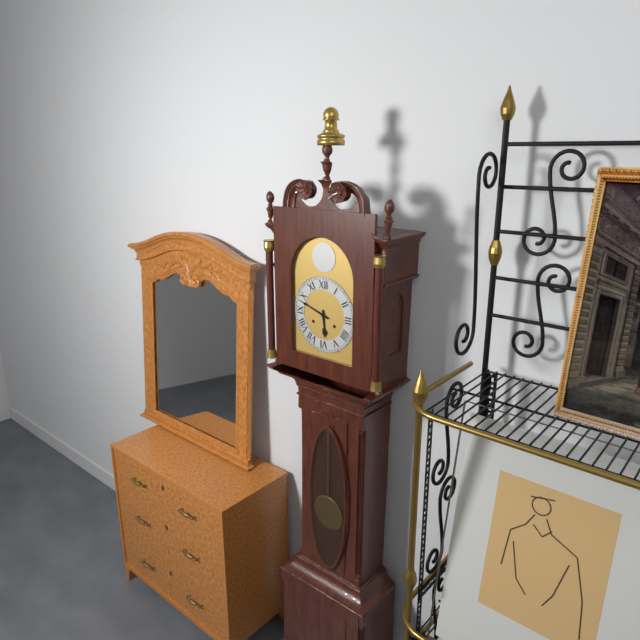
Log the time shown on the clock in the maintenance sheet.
5:48
